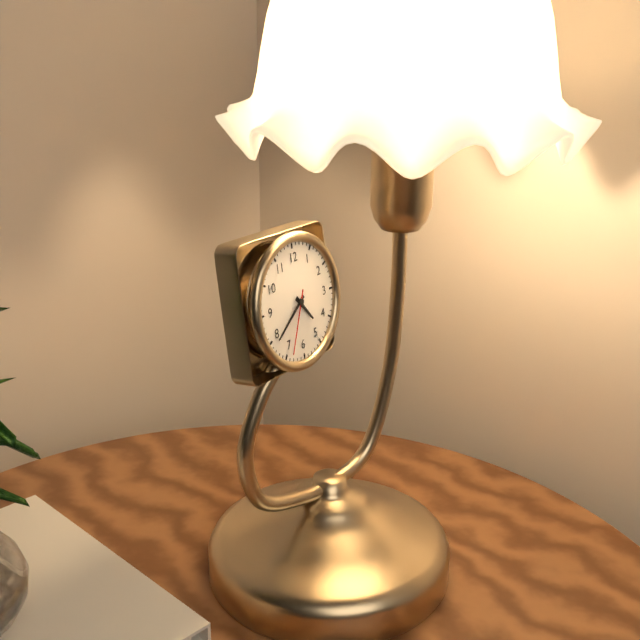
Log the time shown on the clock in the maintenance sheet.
4:39:34
